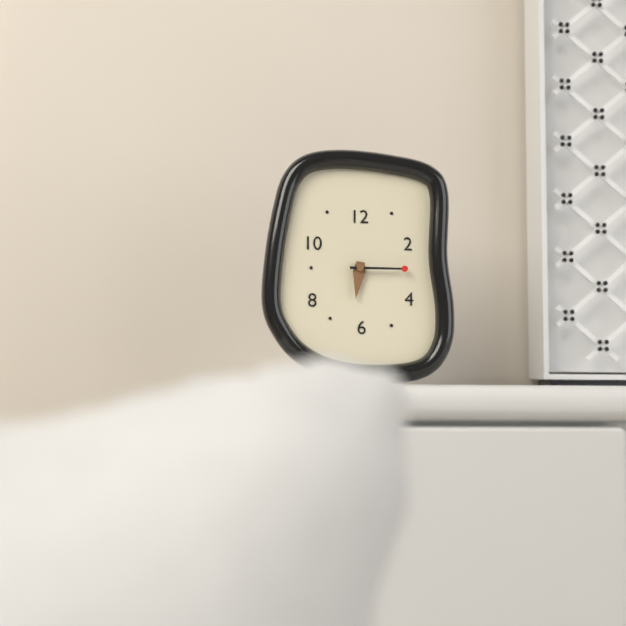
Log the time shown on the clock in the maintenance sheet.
6:15
